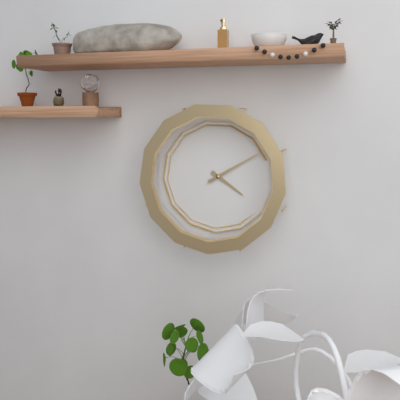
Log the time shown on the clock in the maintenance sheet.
4:10
